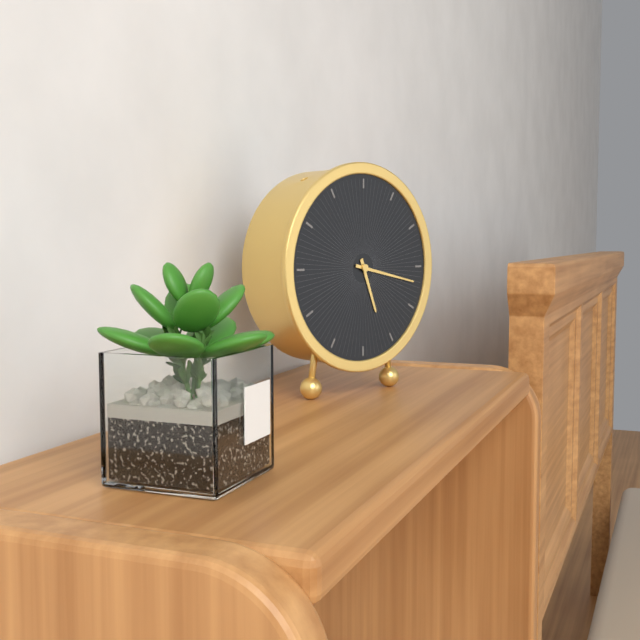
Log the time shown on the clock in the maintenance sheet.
5:17
